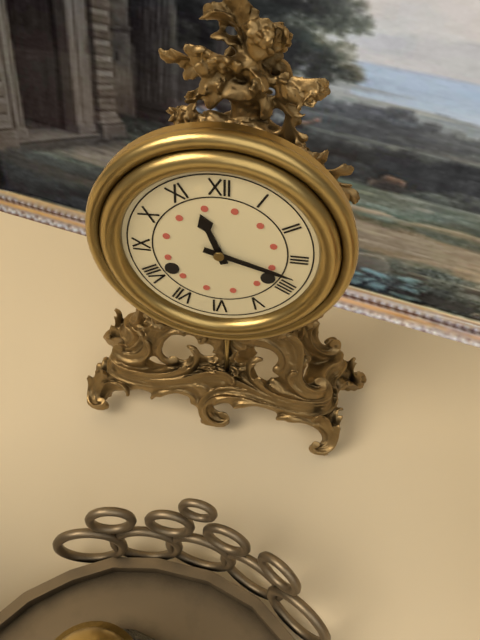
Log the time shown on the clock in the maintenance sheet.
11:18
